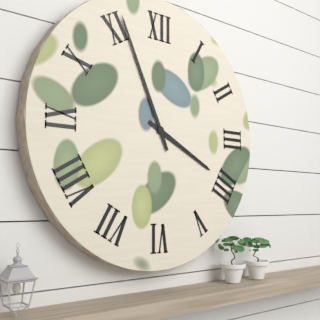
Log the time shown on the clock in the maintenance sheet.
3:56
